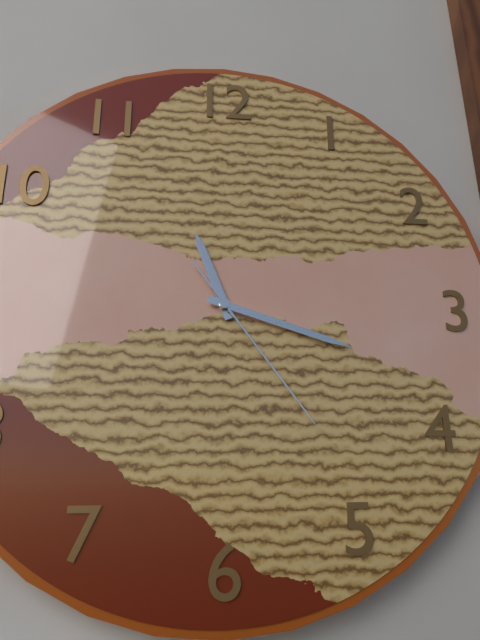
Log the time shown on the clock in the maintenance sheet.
11:18:24
